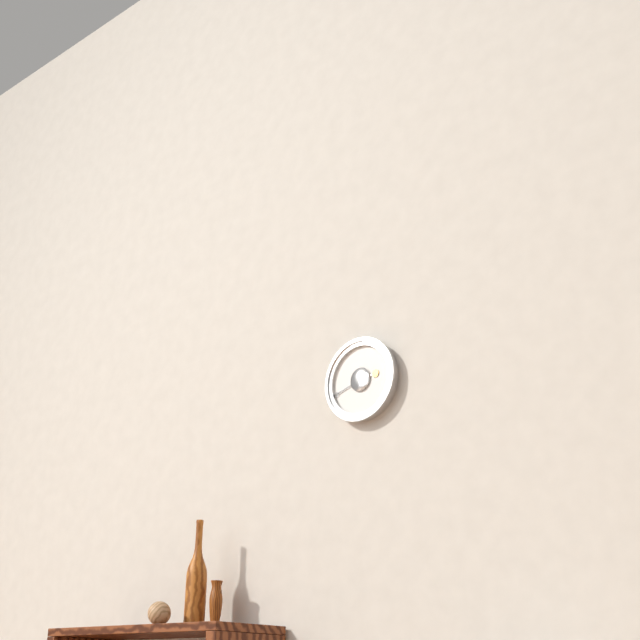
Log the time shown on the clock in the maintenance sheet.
2:42
